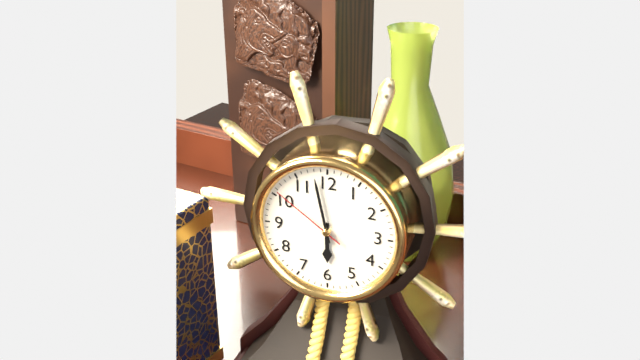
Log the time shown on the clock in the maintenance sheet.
5:58:51
